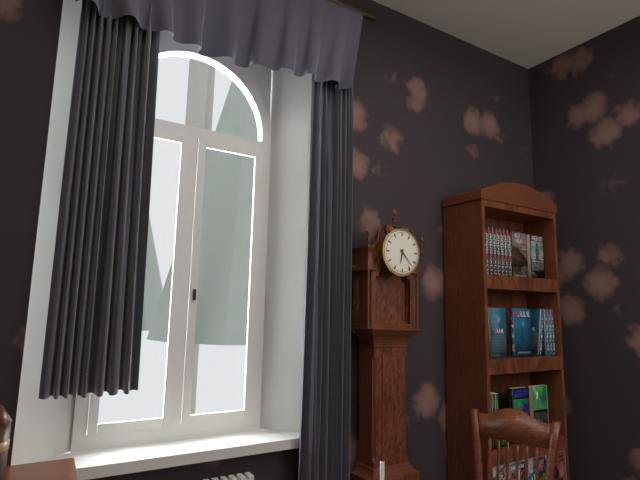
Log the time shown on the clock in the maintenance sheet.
6:23
